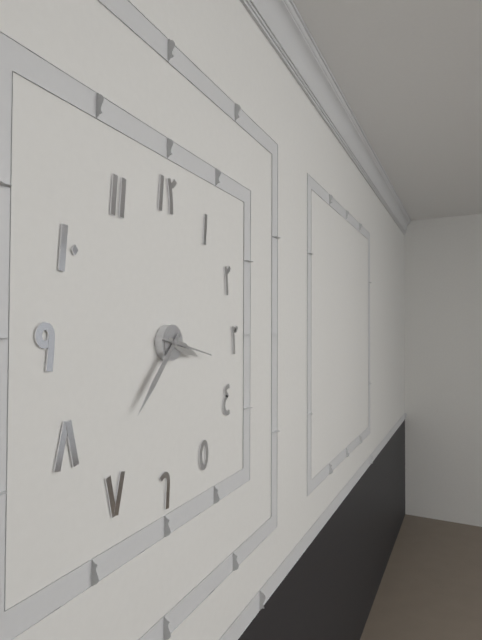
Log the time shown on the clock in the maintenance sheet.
3:37
